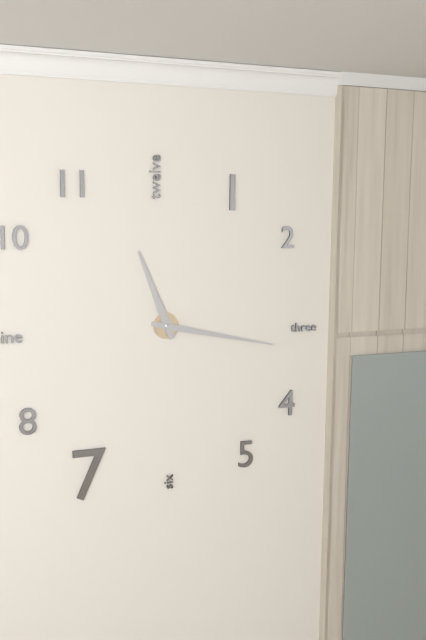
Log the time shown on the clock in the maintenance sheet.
11:17
